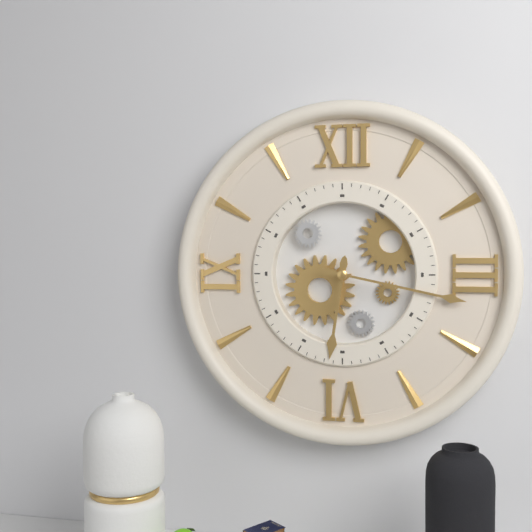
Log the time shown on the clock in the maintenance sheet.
6:17
